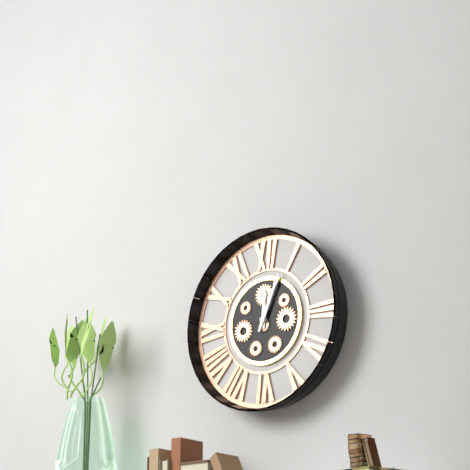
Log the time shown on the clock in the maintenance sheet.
12:04
